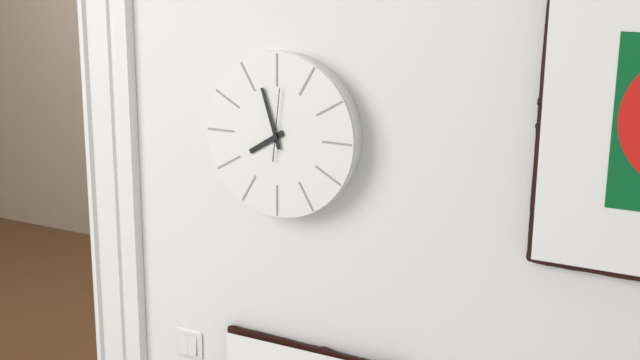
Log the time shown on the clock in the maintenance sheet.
7:57:01
